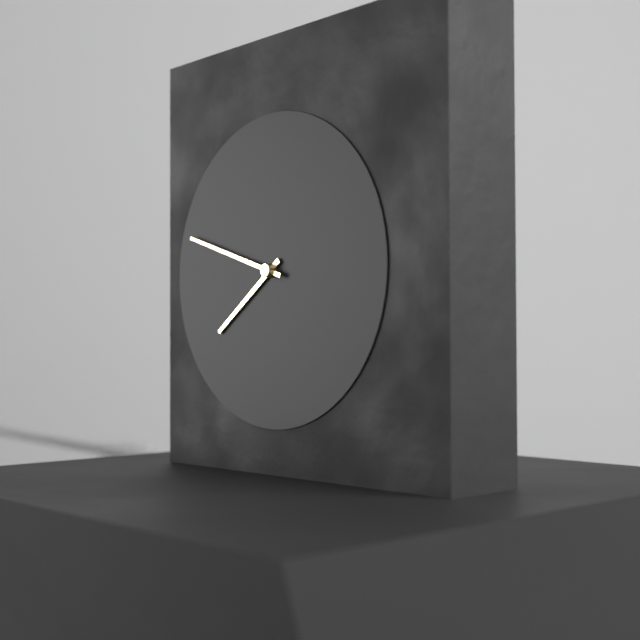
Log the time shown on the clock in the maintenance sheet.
7:48
